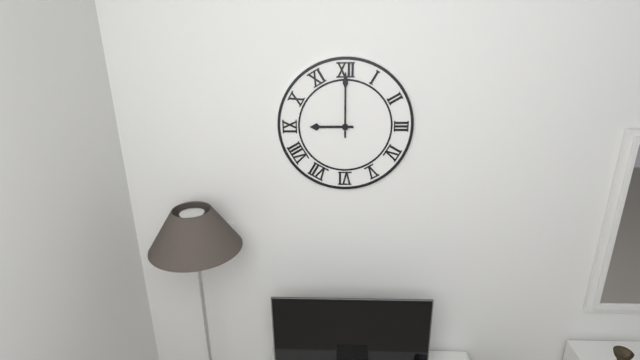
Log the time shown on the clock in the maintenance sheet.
9:00
